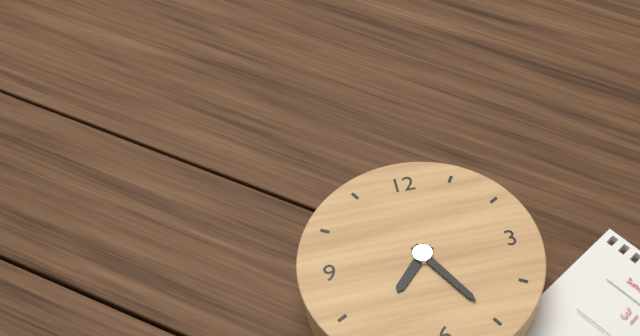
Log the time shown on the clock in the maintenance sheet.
7:25
